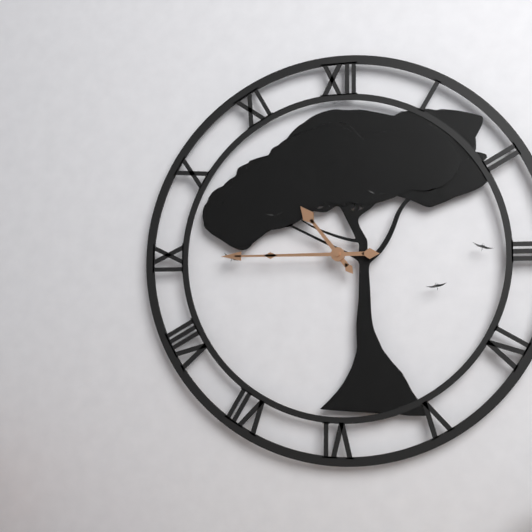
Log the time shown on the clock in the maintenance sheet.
10:45
